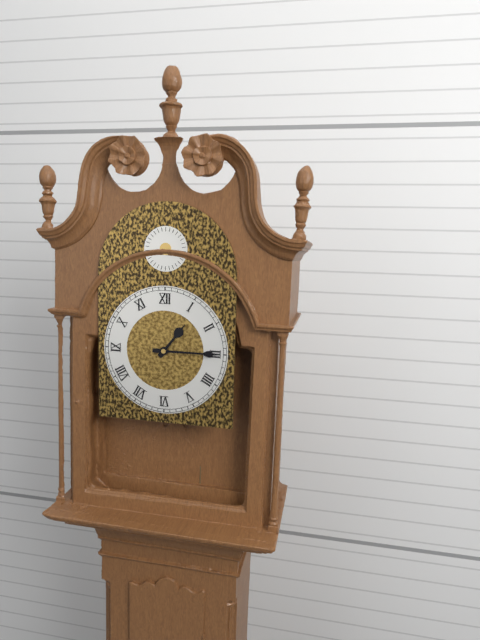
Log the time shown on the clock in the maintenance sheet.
1:15
